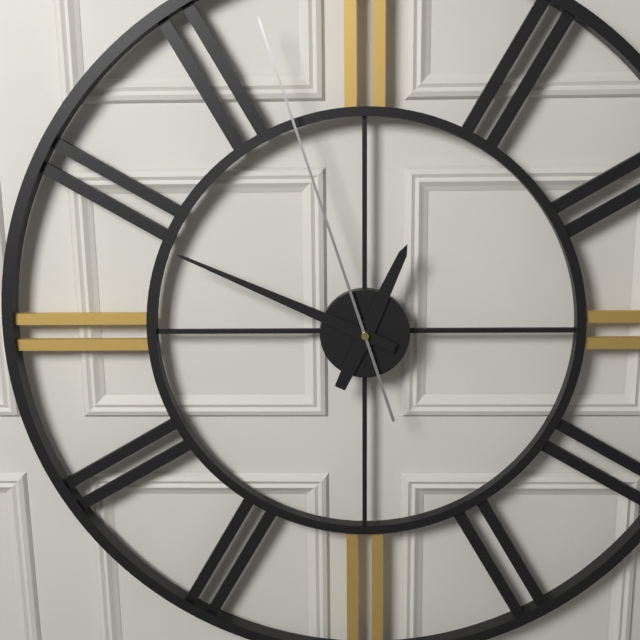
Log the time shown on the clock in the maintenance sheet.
12:49:57
